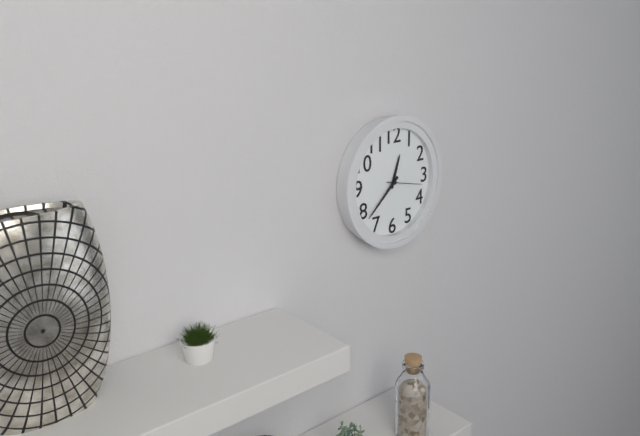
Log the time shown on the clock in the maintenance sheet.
12:38
